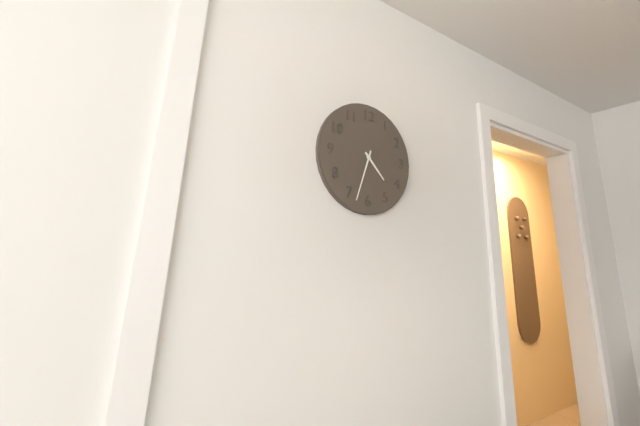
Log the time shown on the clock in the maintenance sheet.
4:33
